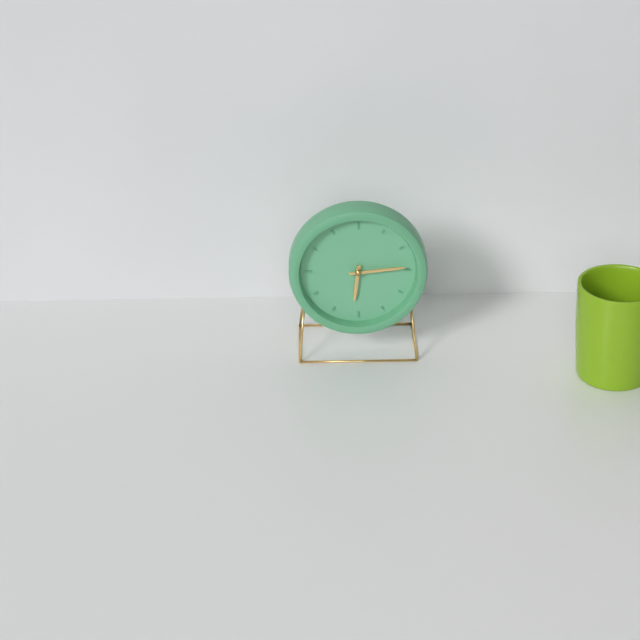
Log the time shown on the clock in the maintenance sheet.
6:14
